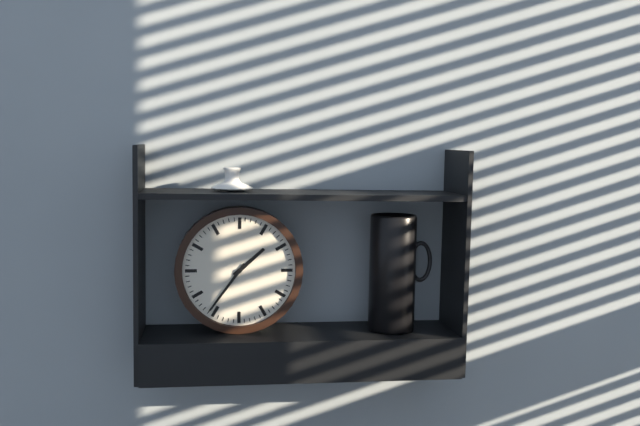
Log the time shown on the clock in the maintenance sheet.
1:36
